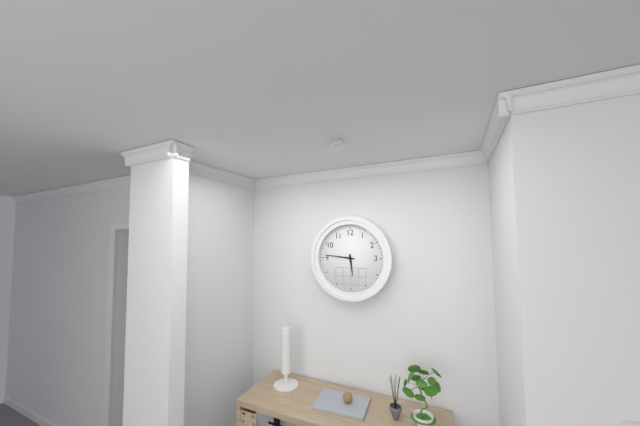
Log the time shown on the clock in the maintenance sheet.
5:46
